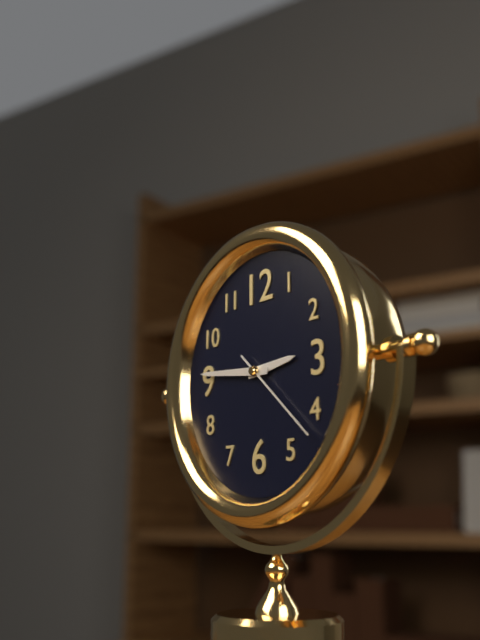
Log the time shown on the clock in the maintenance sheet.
2:46:22
